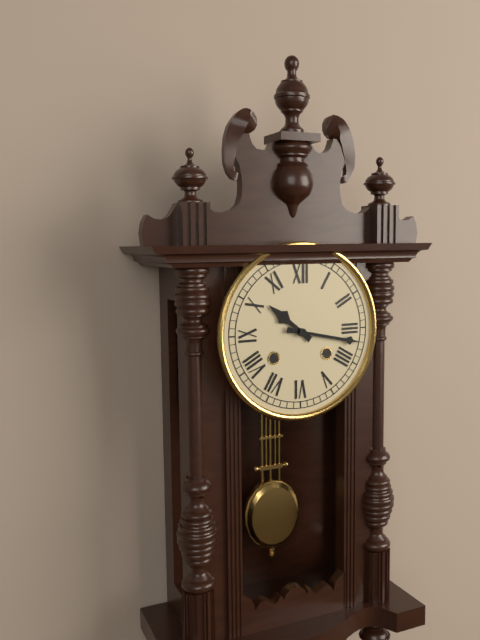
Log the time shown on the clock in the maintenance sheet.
10:17
